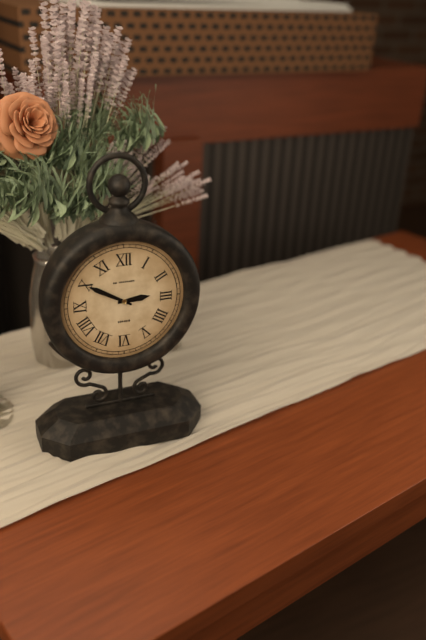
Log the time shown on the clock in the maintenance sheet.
2:50
